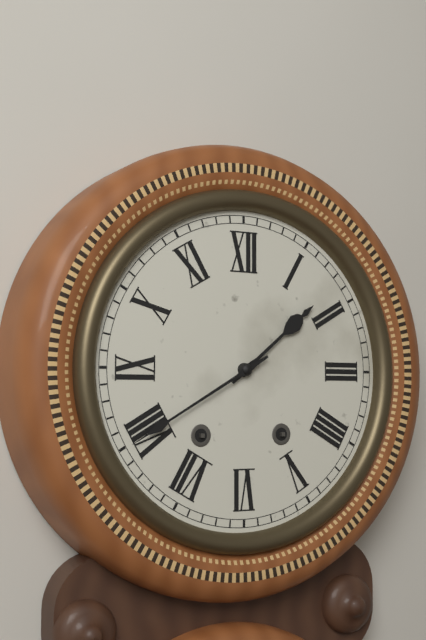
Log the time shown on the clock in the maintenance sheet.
1:40
